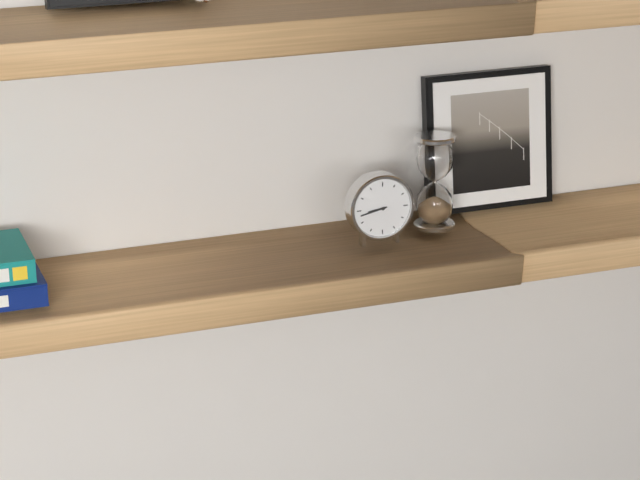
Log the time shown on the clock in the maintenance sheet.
8:43
